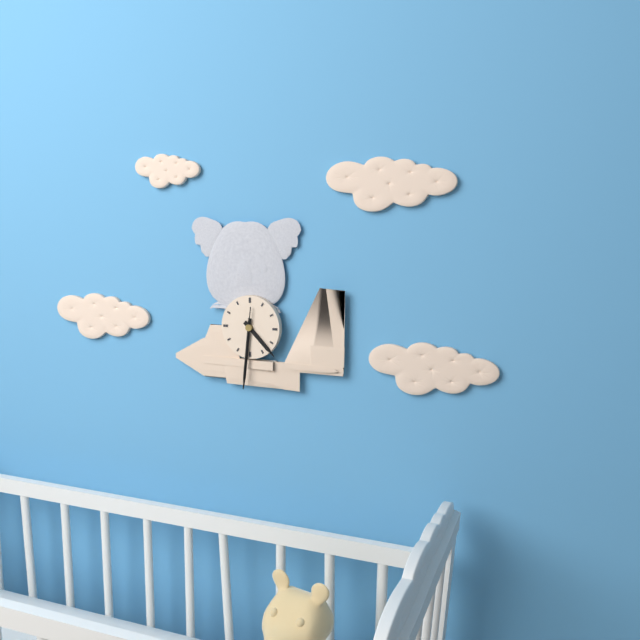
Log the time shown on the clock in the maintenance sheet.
4:31:31
